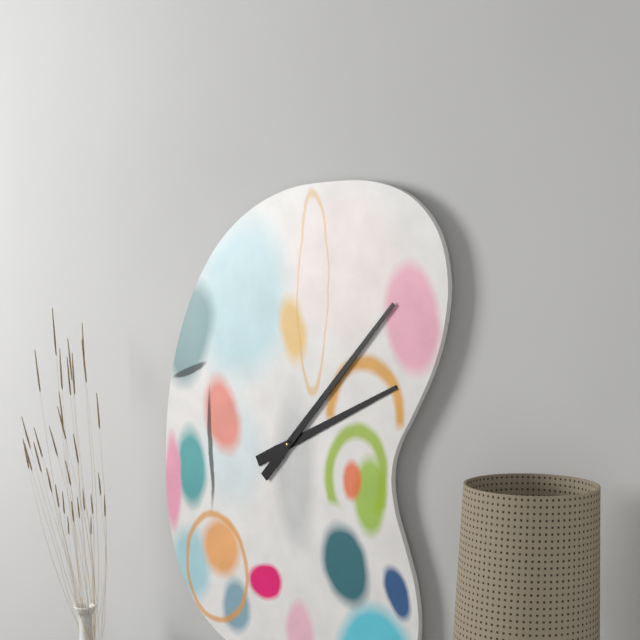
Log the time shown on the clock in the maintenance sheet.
2:07
